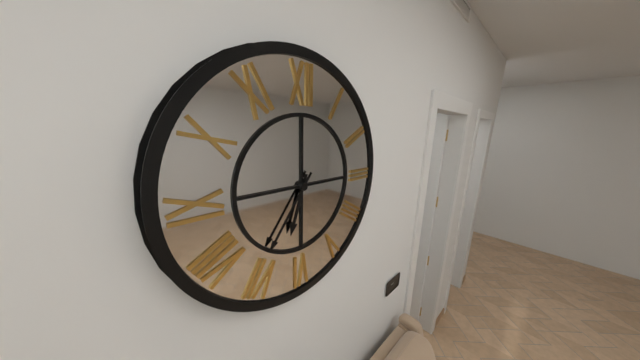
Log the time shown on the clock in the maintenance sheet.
6:36
